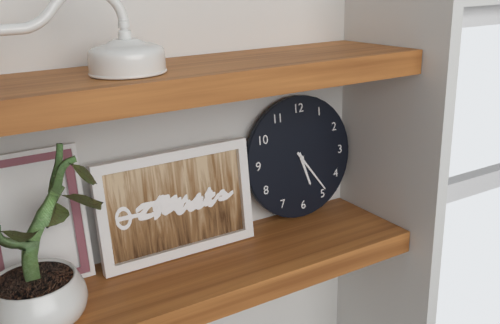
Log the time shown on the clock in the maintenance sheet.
5:24
